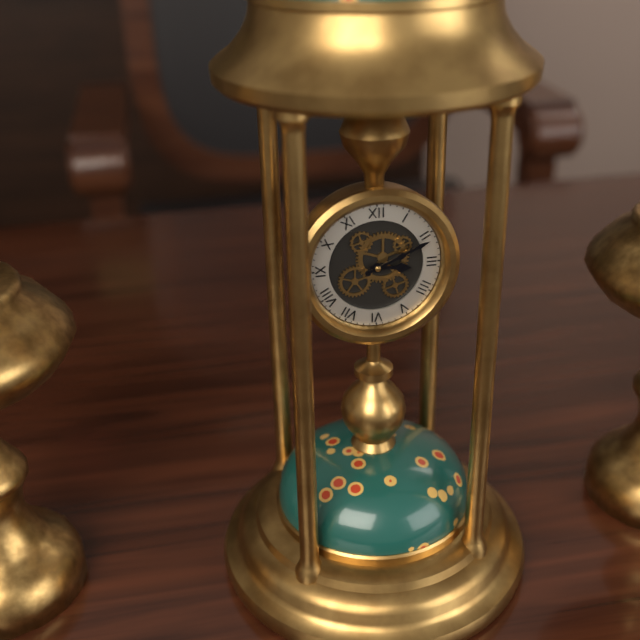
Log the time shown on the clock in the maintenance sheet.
3:11
